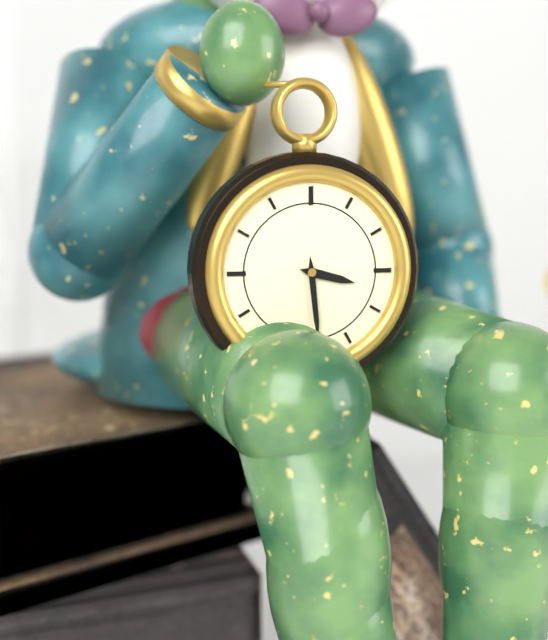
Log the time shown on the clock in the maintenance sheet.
3:29
